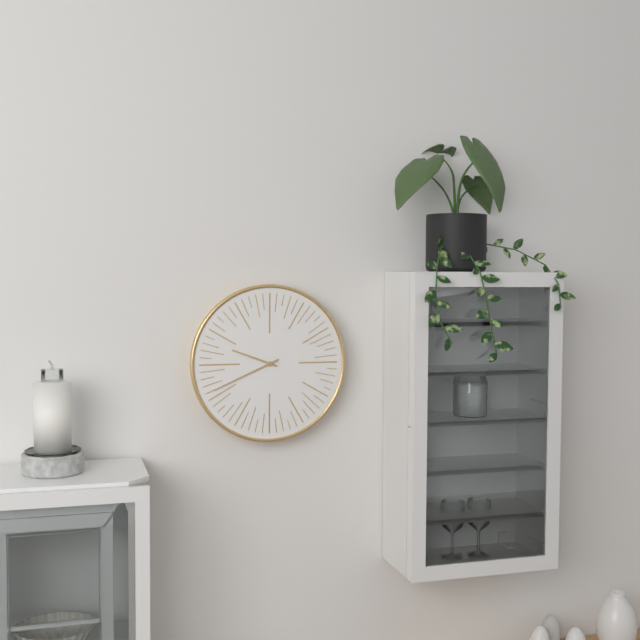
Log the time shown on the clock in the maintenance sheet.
9:41
